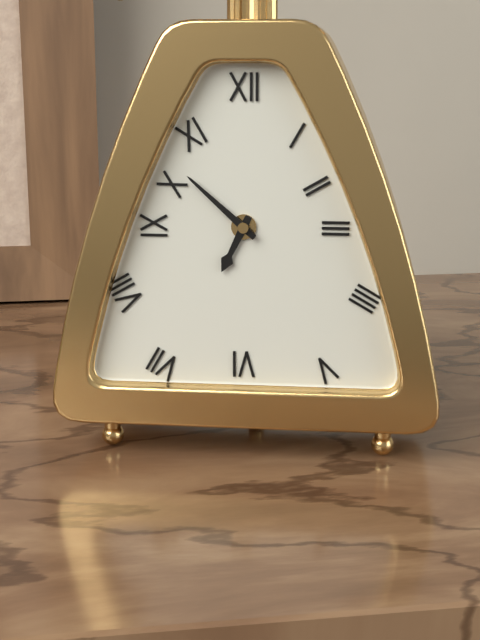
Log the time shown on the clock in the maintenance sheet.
6:52
